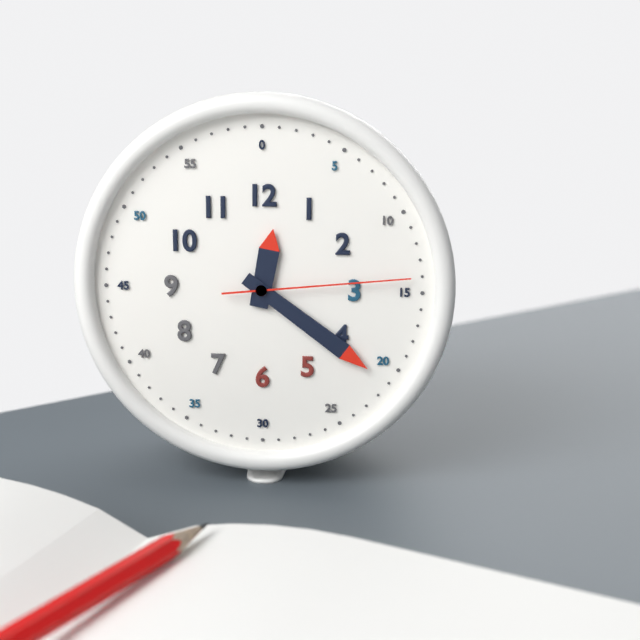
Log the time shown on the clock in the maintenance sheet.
12:21:14
